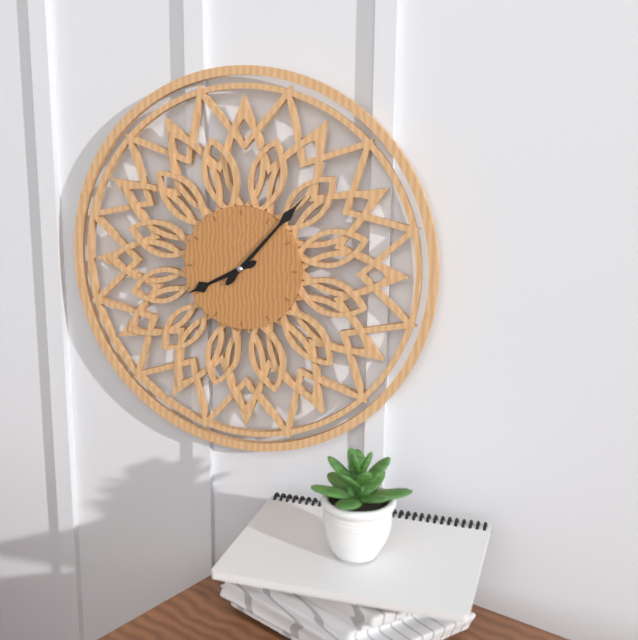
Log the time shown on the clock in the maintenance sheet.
8:07
